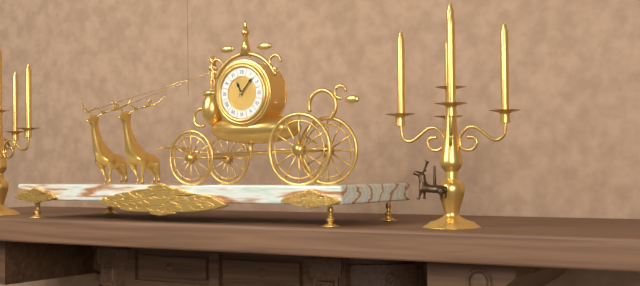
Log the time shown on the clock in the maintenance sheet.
11:07
